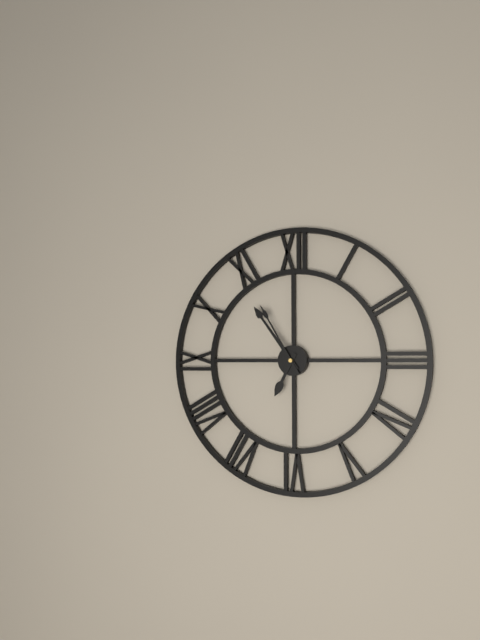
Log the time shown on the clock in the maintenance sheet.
6:54:55
